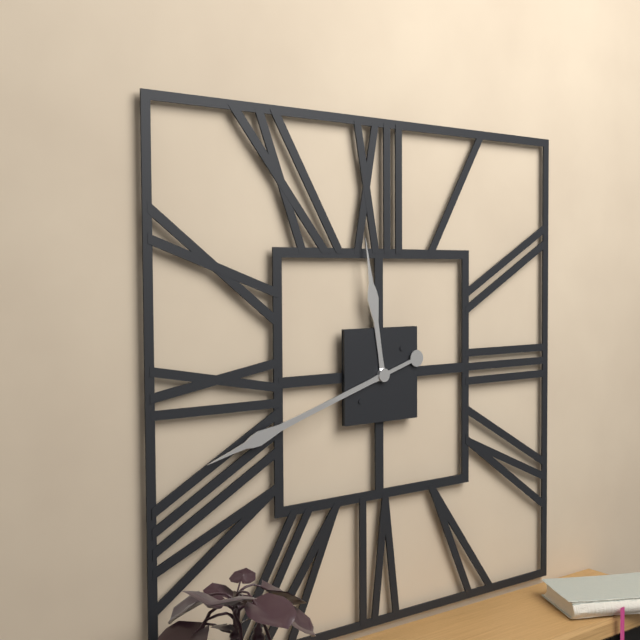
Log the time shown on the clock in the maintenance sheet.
11:42
